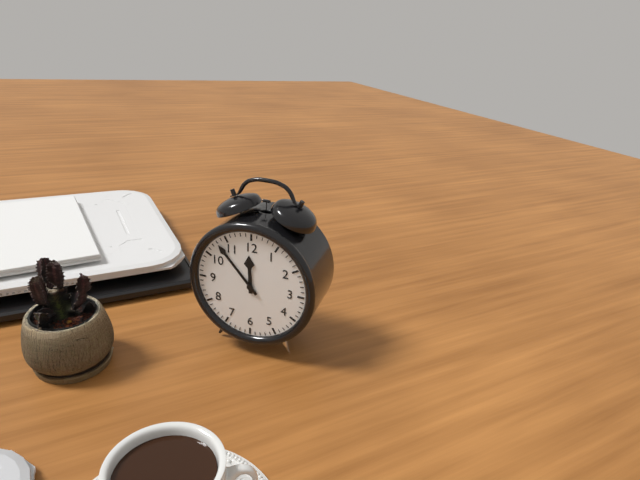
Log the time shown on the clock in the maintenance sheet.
11:53
